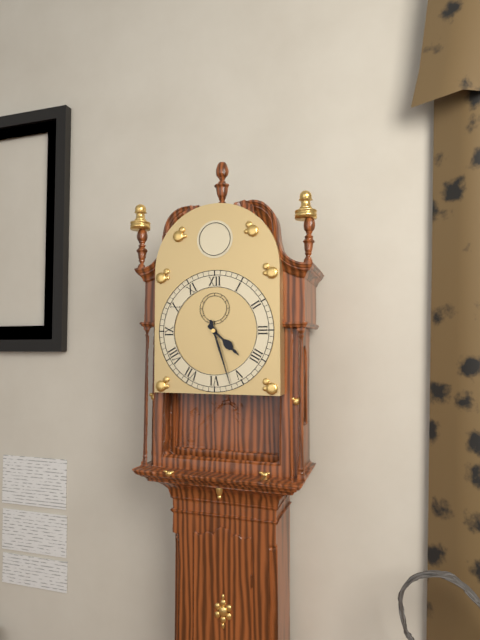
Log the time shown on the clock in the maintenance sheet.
4:27
